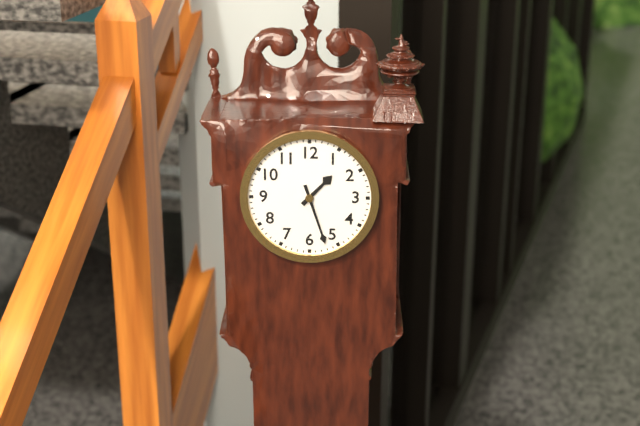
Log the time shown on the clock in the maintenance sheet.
1:27
